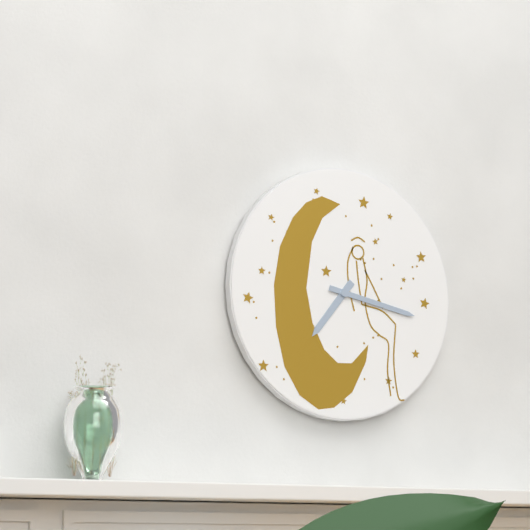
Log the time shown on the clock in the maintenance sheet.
7:17
